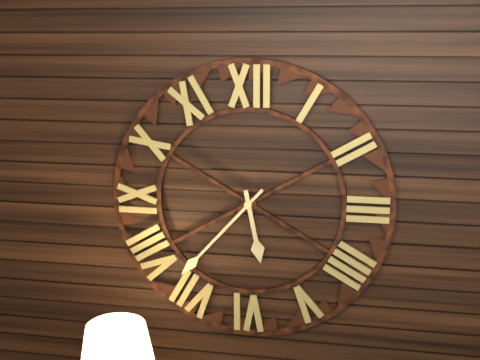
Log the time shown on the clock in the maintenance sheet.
5:37
